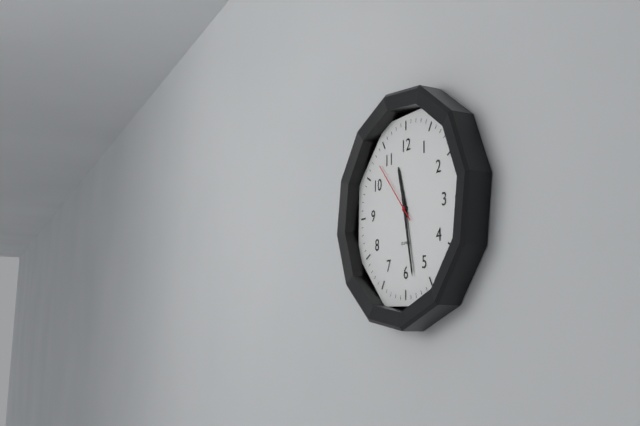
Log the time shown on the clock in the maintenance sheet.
11:28:53
